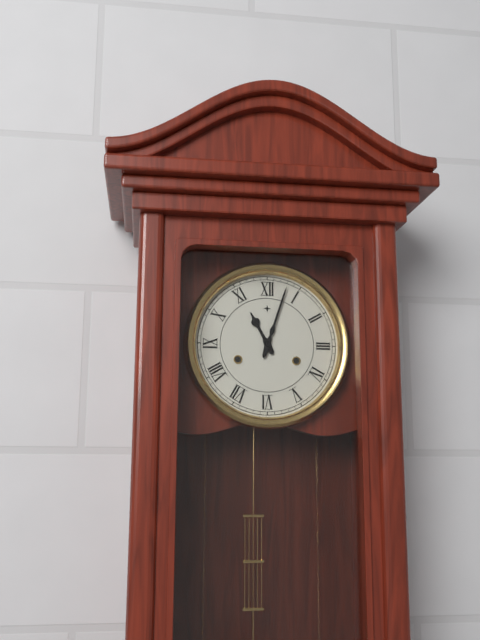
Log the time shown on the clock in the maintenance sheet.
11:03
